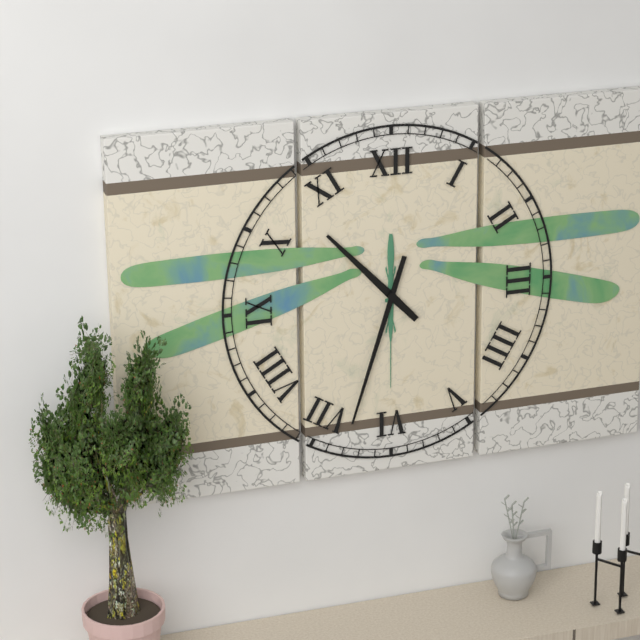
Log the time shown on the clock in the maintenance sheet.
10:33
